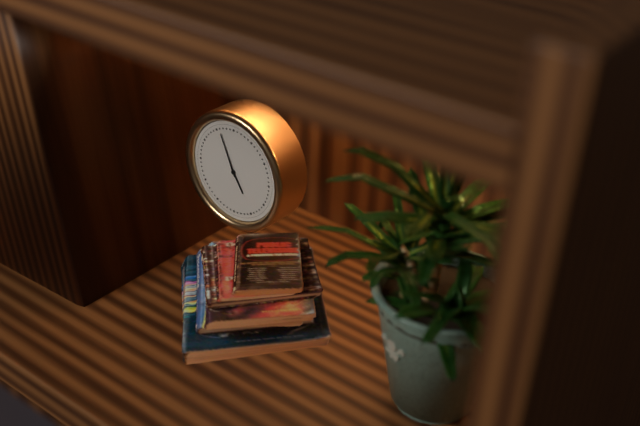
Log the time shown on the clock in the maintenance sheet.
4:56
